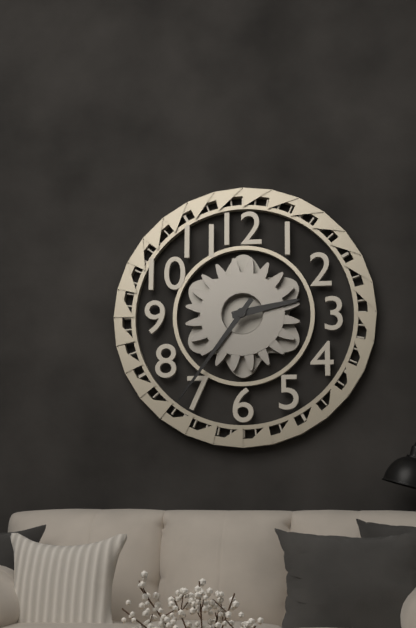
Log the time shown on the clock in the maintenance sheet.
2:36
